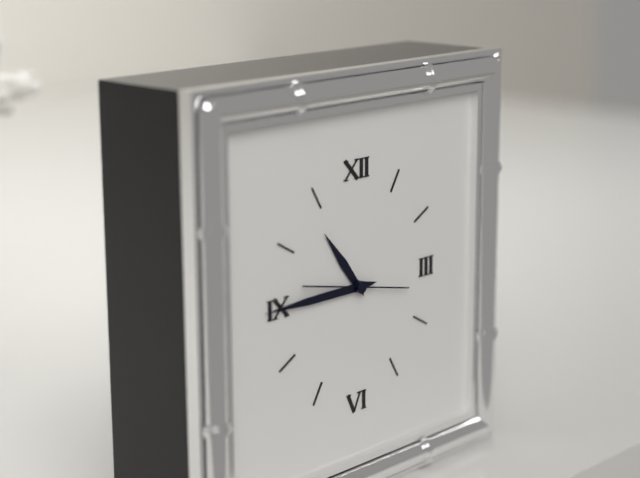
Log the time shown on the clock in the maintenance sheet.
10:45:47
